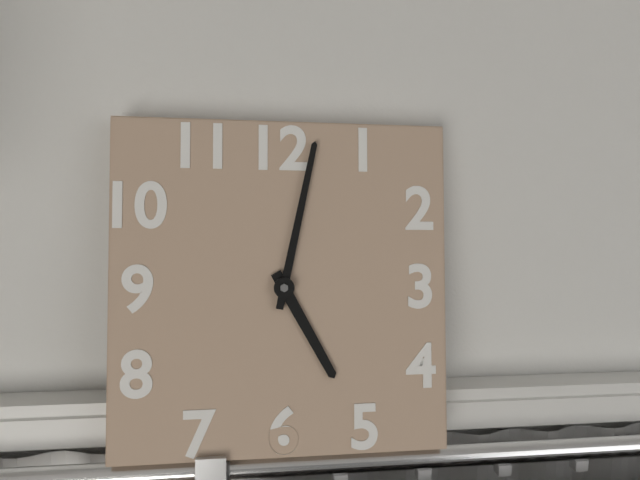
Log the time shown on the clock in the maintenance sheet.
5:02
